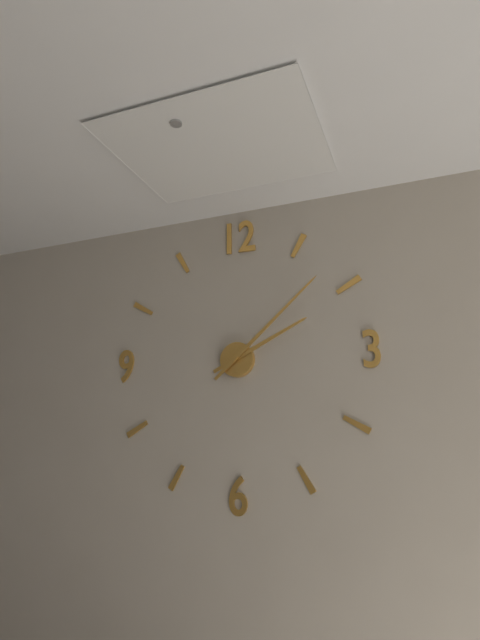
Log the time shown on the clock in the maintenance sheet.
2:08
